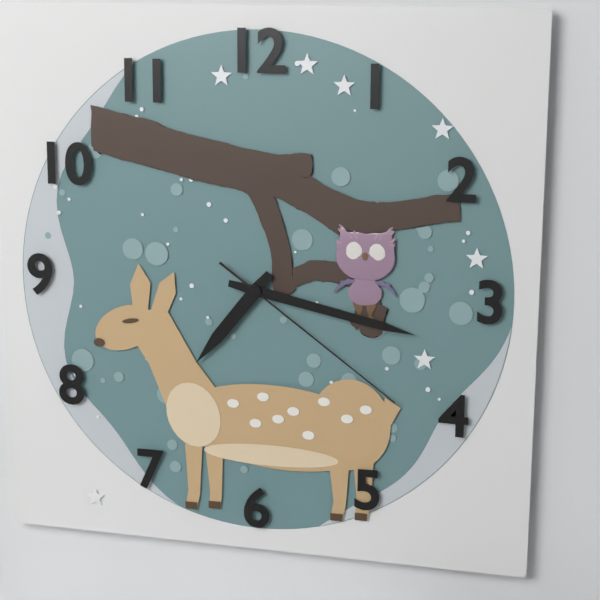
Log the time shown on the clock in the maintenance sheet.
7:17:21
